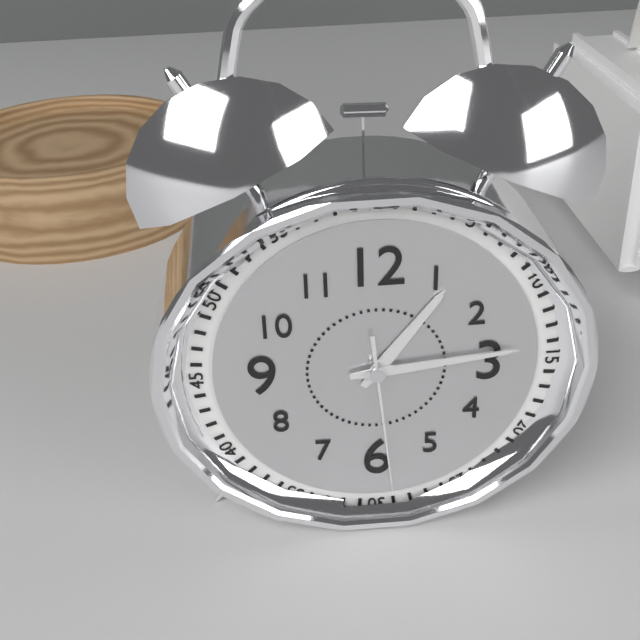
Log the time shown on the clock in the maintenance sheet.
1:14:29
